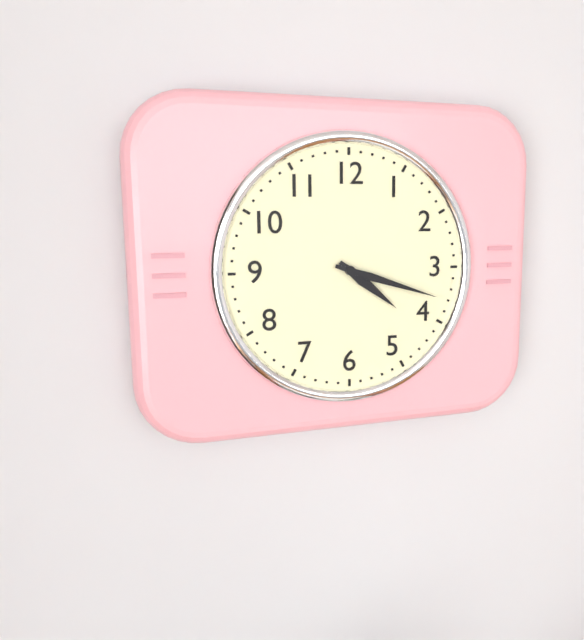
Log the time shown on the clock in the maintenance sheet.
4:18
